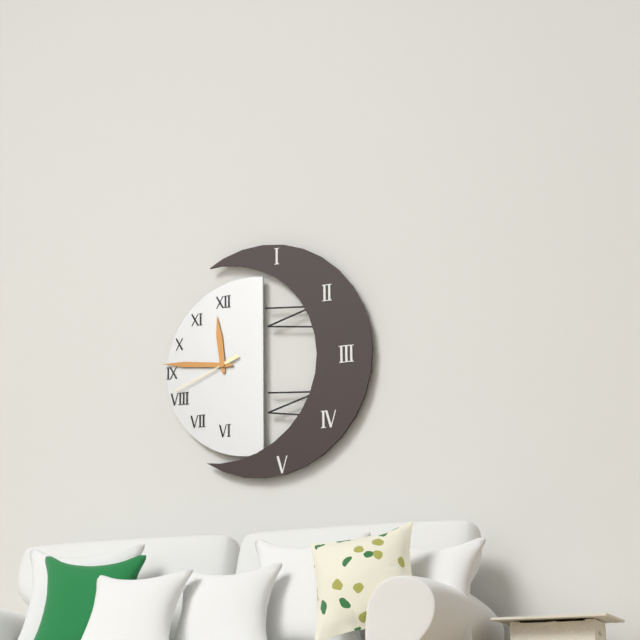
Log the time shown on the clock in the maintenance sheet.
11:46:41
